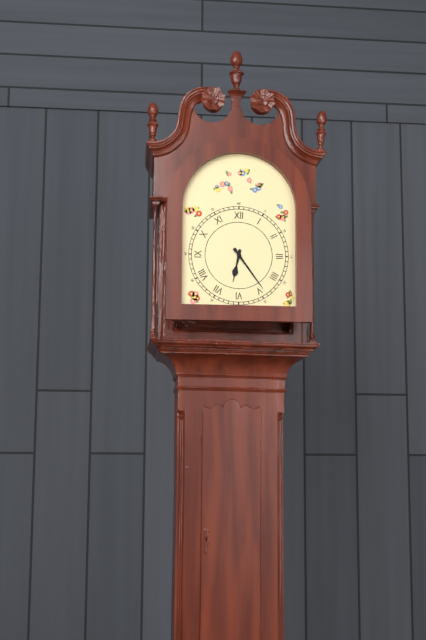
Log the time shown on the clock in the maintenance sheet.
6:24
